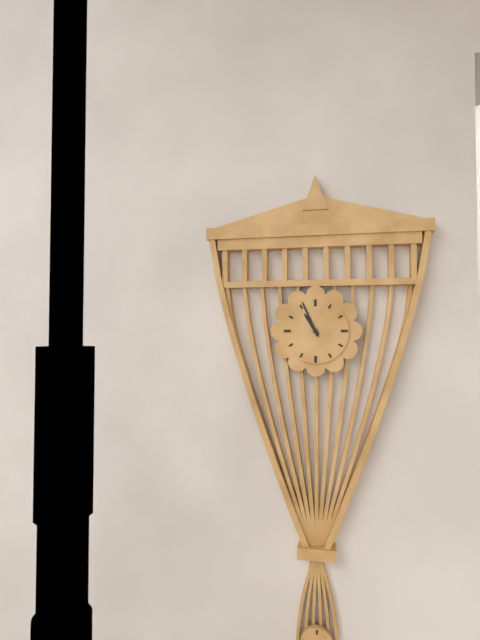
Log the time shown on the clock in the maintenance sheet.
10:56
